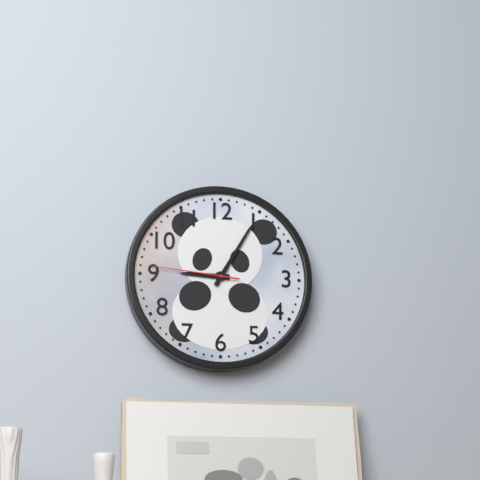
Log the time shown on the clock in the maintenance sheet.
9:05:46
